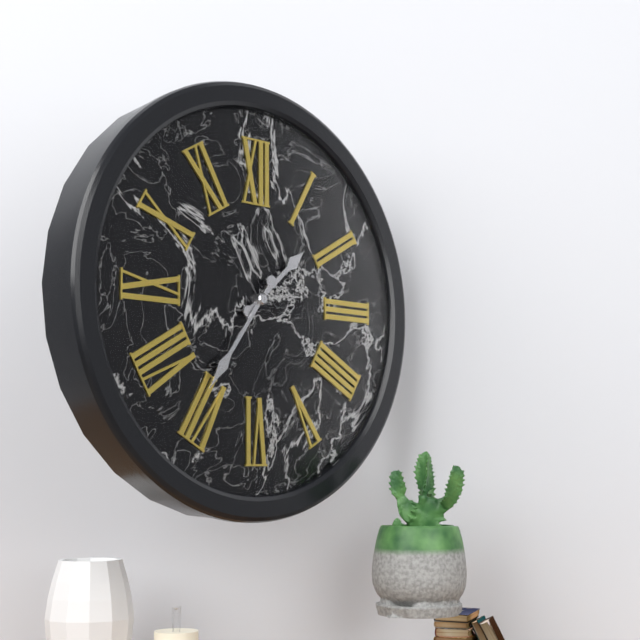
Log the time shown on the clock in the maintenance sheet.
1:36
